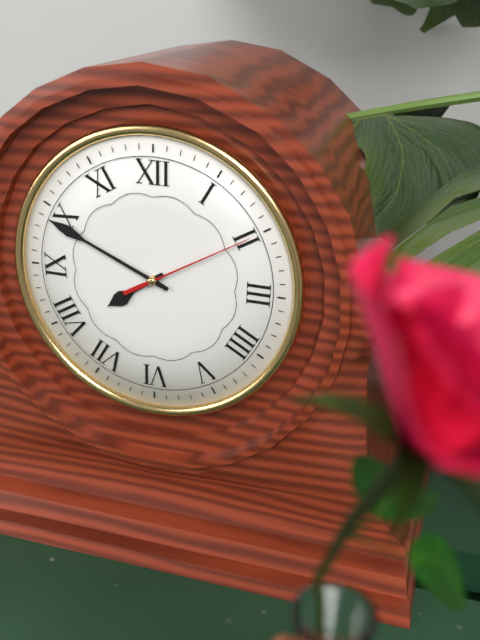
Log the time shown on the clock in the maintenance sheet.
7:49:10
